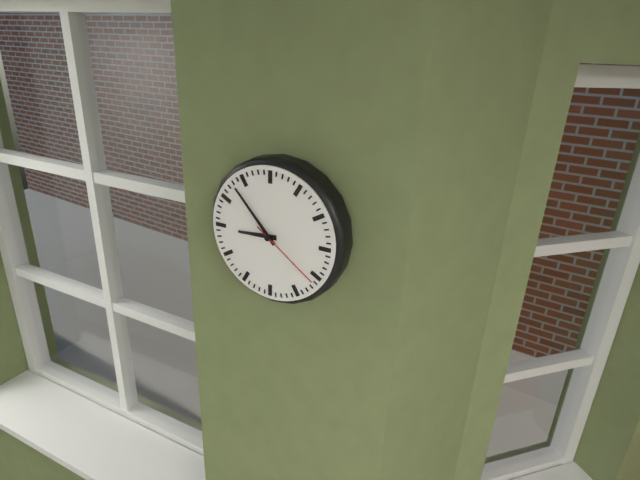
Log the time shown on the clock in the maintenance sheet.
8:53:21
